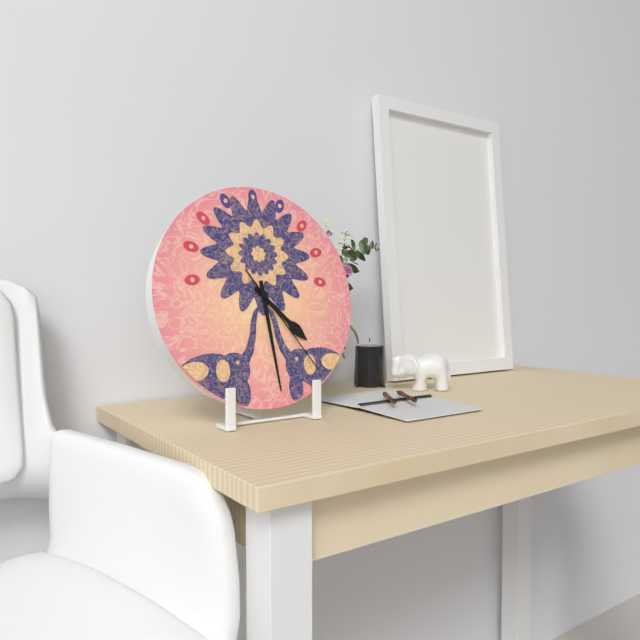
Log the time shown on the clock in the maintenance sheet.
4:29:24
